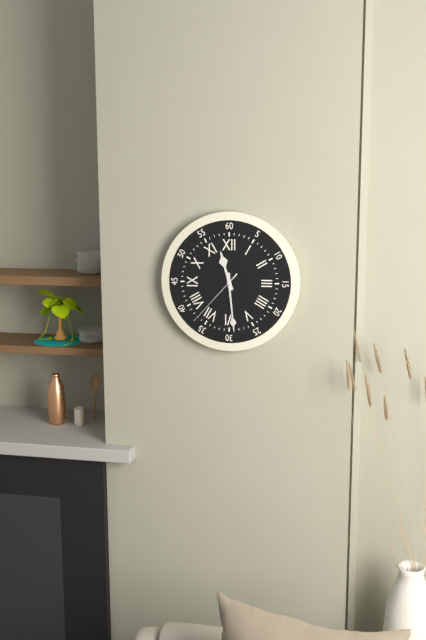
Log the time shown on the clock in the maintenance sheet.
11:29:37
